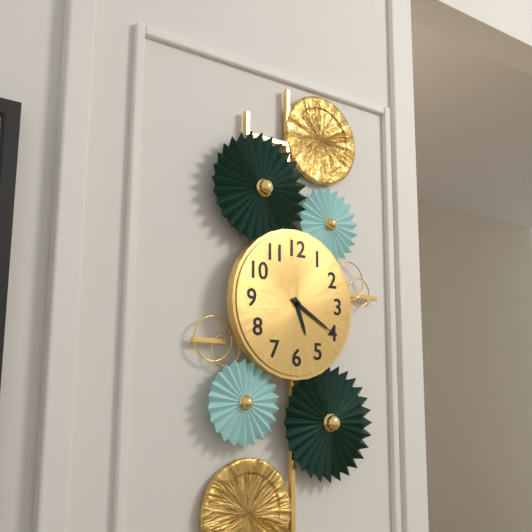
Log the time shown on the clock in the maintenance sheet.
5:20
